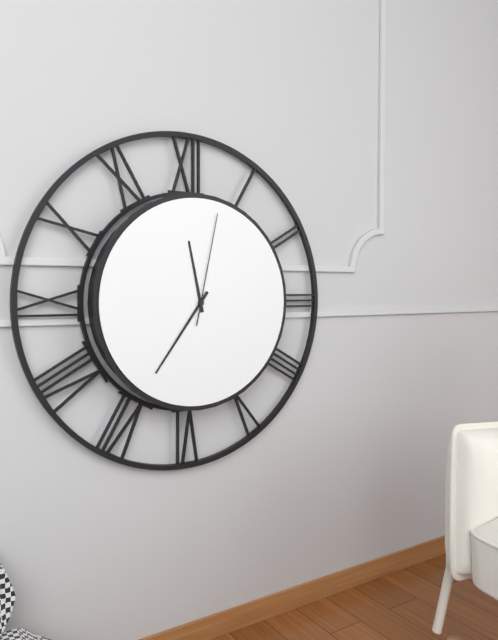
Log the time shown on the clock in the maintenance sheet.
11:36:02
